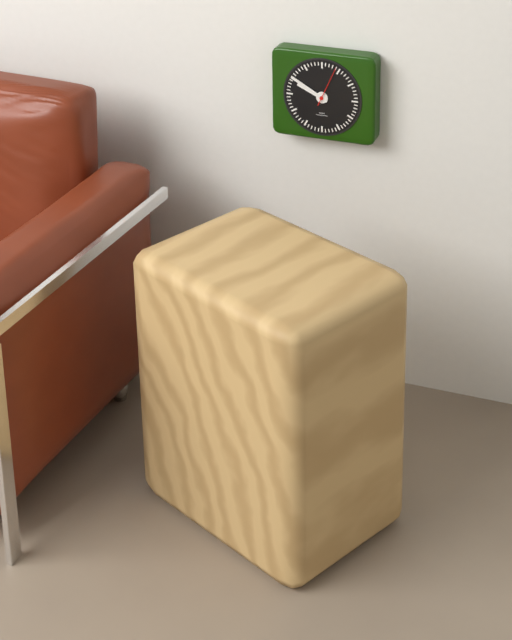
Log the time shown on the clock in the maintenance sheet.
9:50
